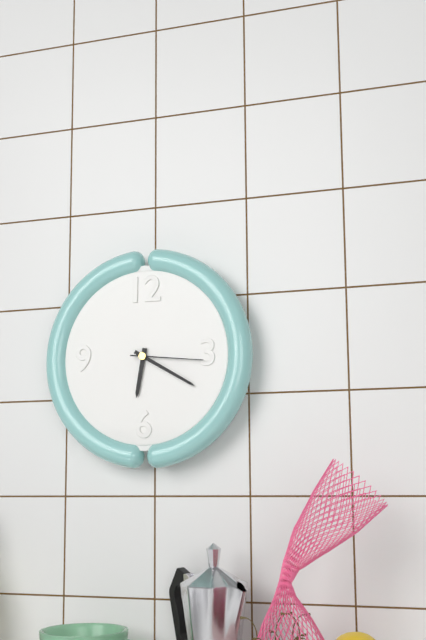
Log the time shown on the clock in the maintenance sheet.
6:20:16
